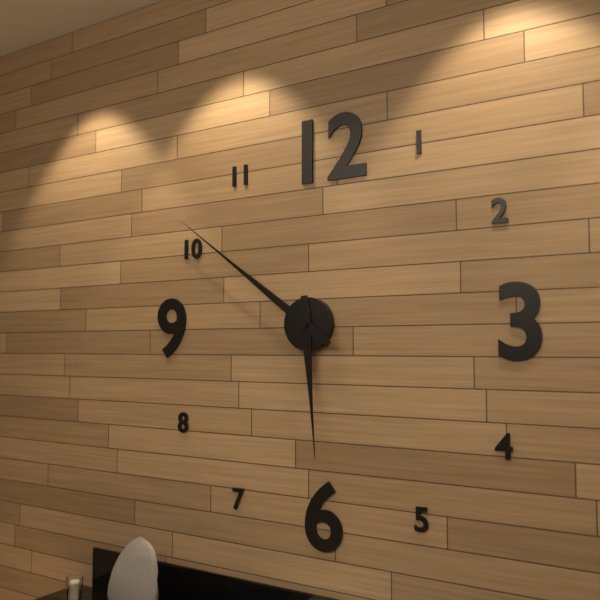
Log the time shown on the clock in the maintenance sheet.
5:51
